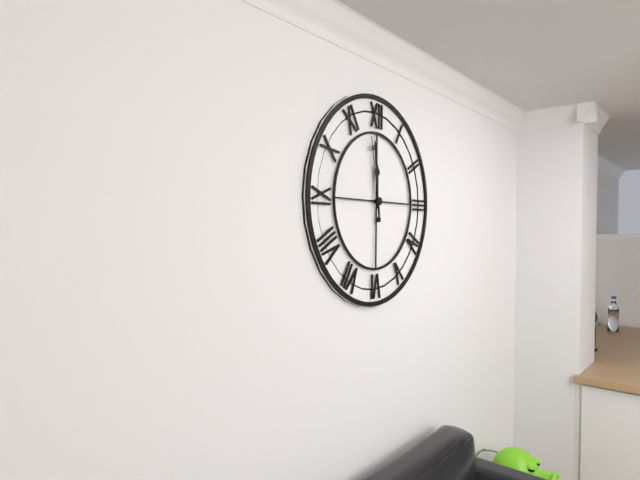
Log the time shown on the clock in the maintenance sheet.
11:59:58
